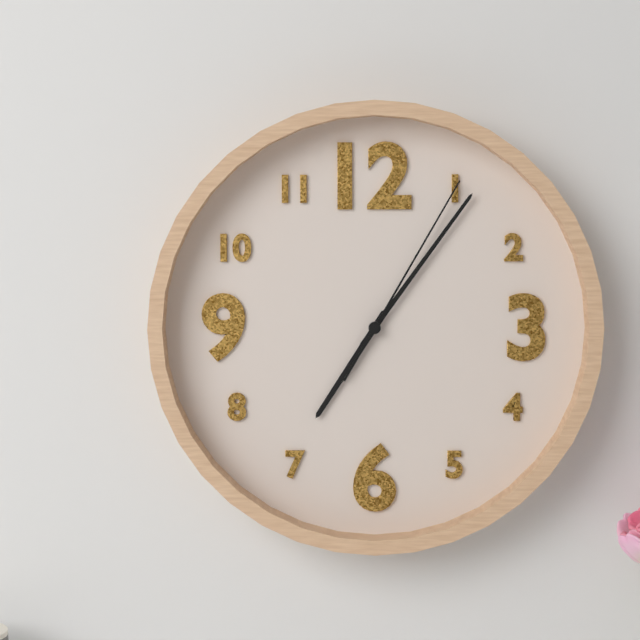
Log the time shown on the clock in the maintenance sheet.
7:06:05
